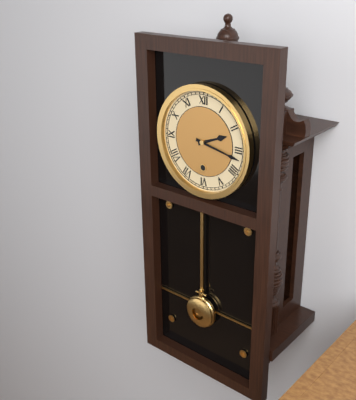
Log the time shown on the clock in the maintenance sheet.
2:17
